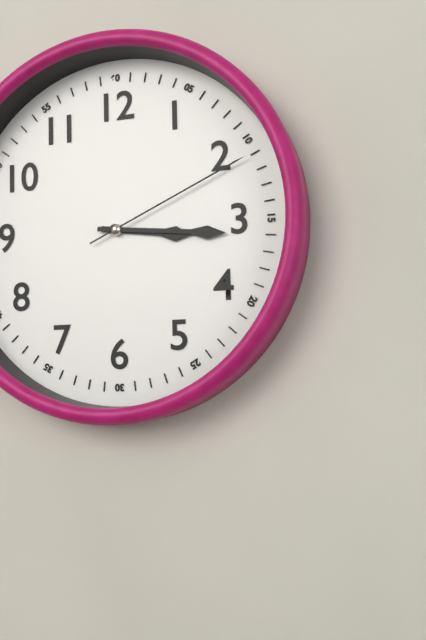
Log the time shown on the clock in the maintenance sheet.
3:16:11
